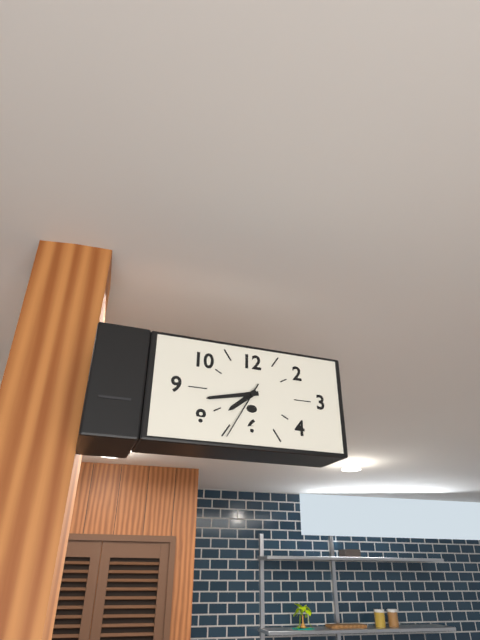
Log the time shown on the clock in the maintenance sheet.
7:43:35
